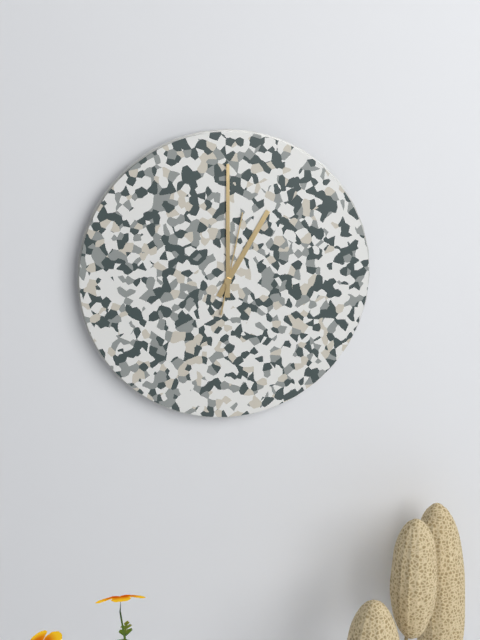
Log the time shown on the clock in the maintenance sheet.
1:00:02
